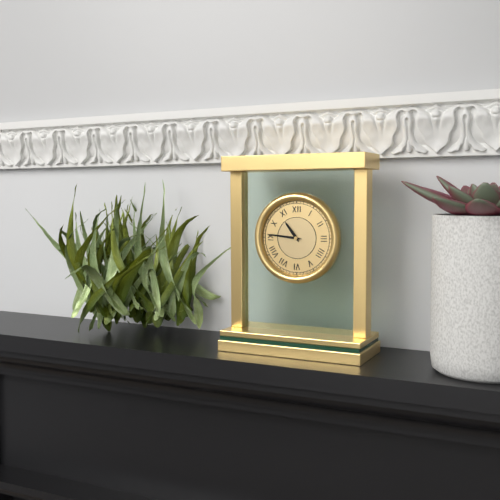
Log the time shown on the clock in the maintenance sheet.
10:46
